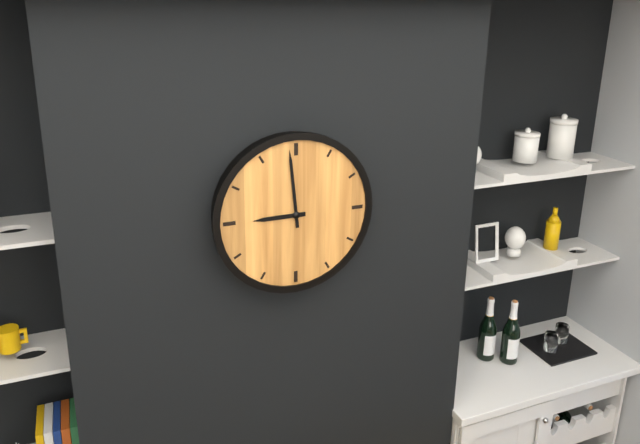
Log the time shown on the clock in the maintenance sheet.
8:59
